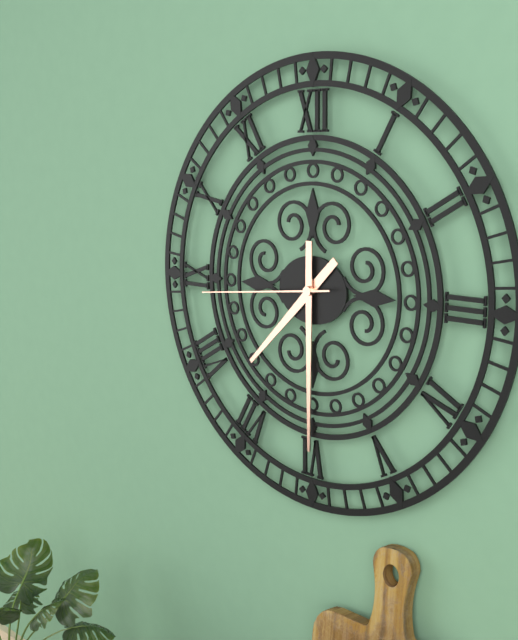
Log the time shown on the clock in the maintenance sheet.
7:30:44
